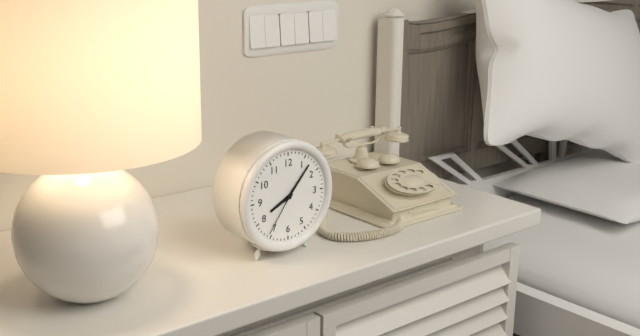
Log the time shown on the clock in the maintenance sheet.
8:07:36
